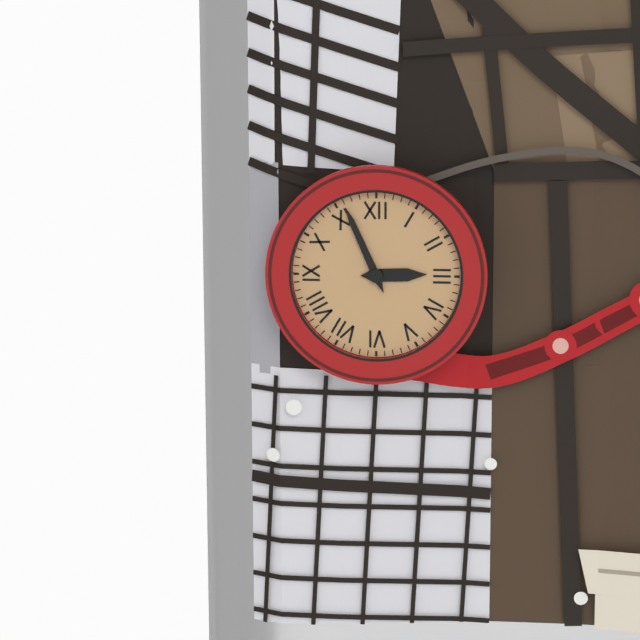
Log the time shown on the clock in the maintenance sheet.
2:56
